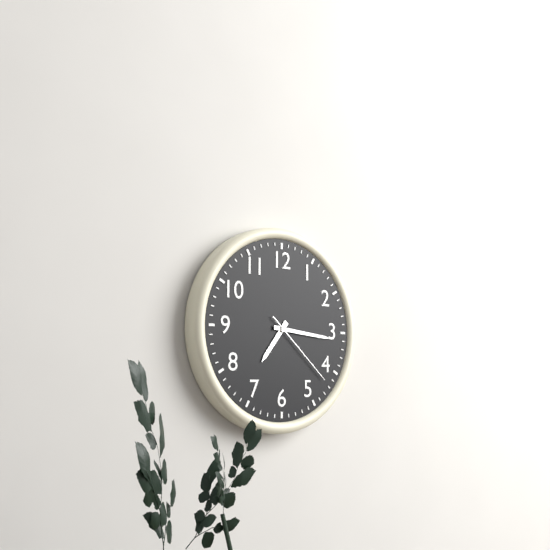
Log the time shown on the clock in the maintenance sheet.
7:16:22
